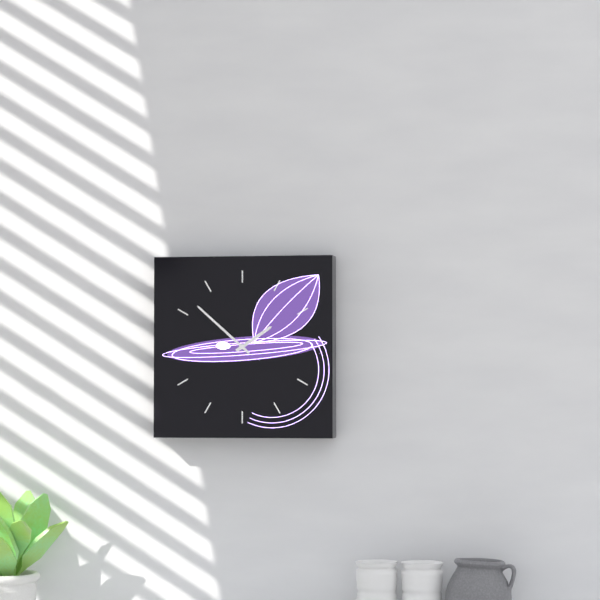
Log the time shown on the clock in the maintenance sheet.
1:52
